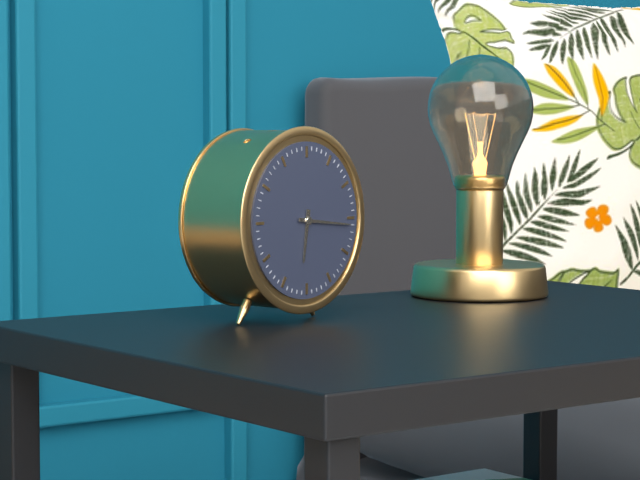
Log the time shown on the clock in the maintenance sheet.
6:16
